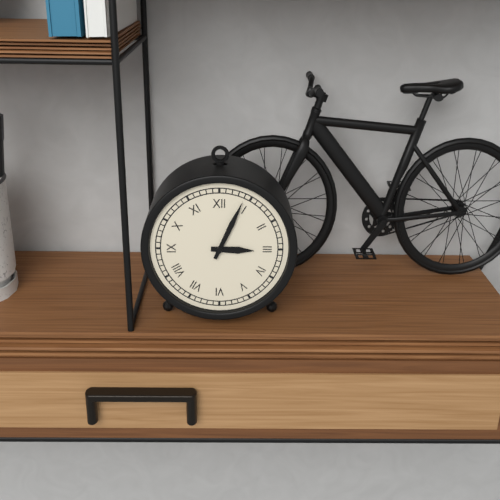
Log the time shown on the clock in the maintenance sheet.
3:04
